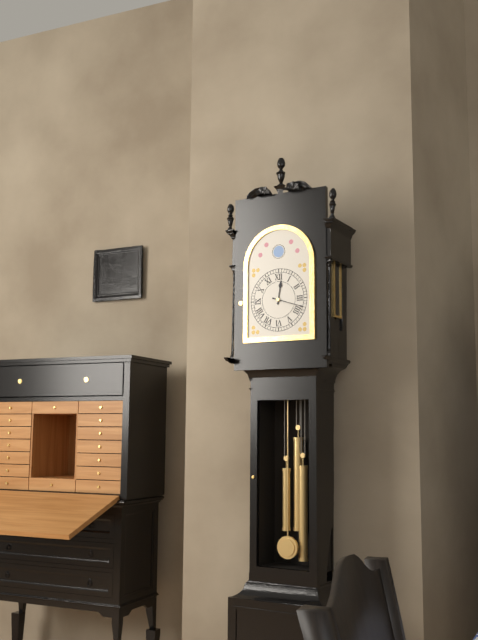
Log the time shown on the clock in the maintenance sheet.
12:18
